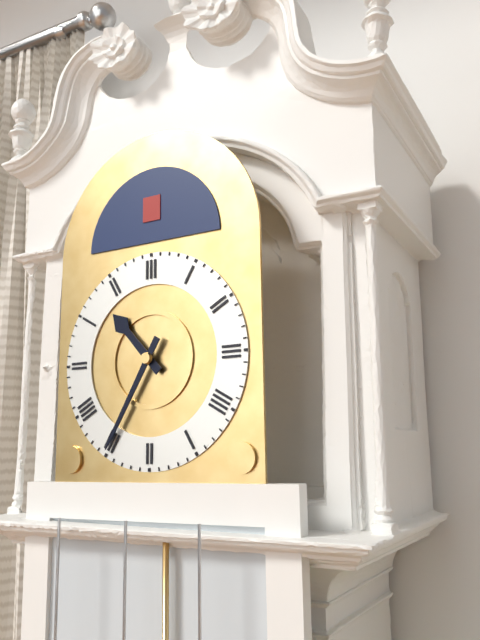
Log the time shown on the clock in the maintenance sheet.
10:35
